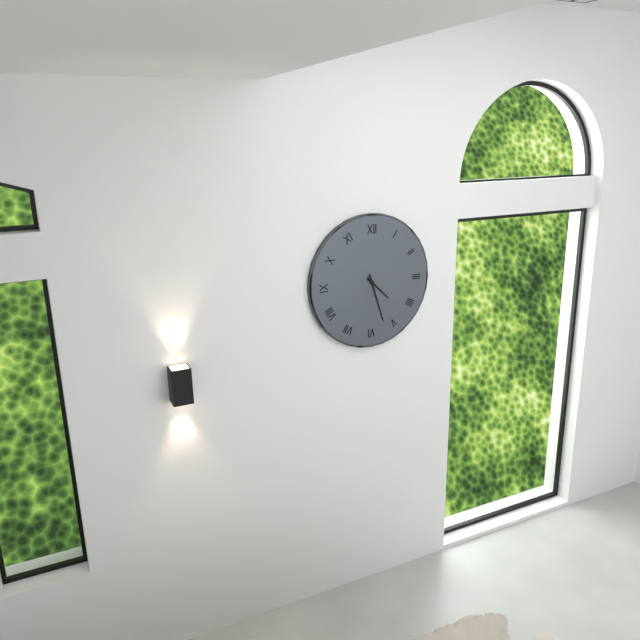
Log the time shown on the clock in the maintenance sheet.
4:27
